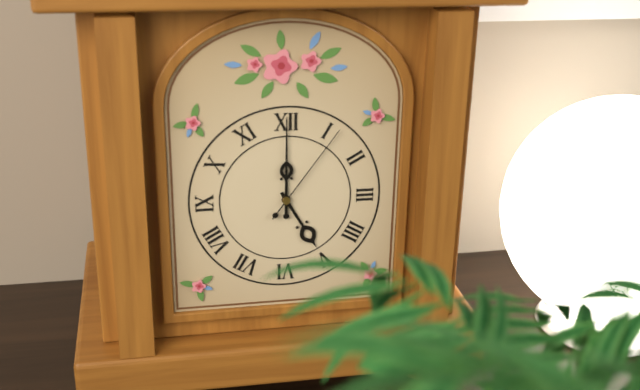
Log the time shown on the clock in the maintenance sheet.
5:00:06
